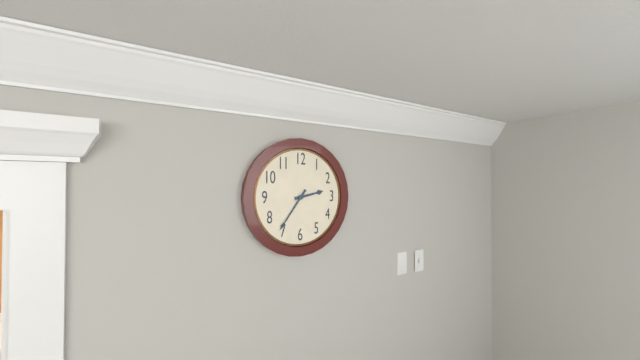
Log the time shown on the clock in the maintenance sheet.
2:36
